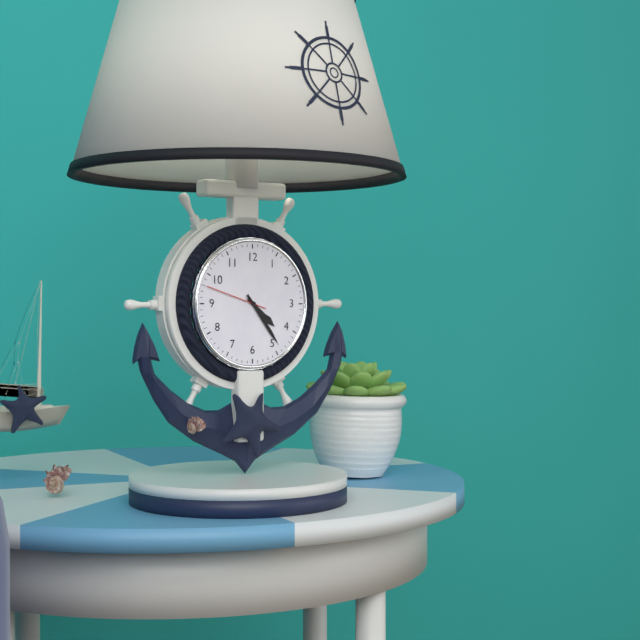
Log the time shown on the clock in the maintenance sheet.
4:24:48
